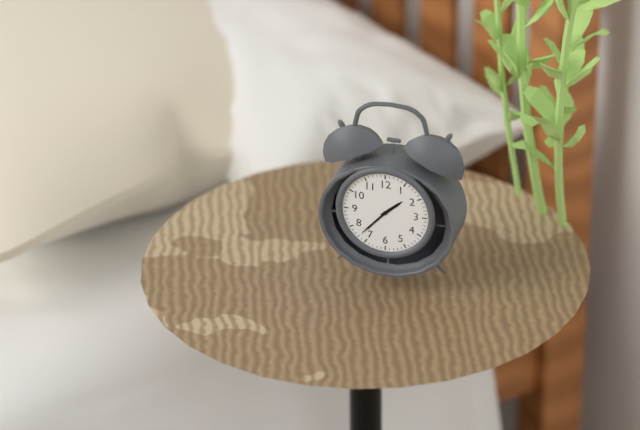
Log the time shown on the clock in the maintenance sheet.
1:37
